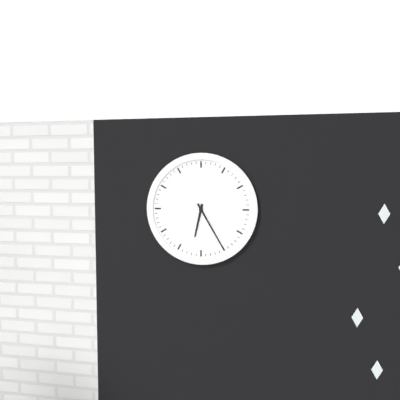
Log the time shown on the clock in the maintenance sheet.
6:25
